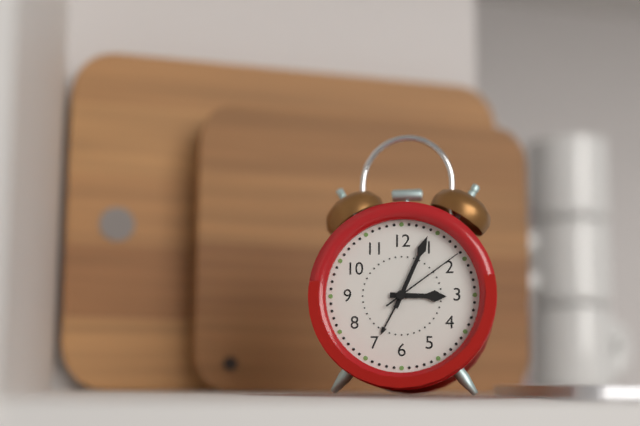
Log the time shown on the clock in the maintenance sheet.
3:04:09
